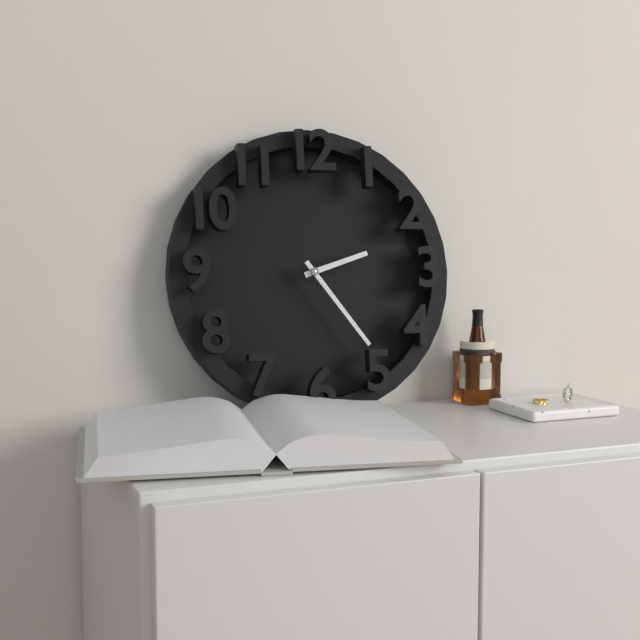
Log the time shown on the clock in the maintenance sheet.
2:24
